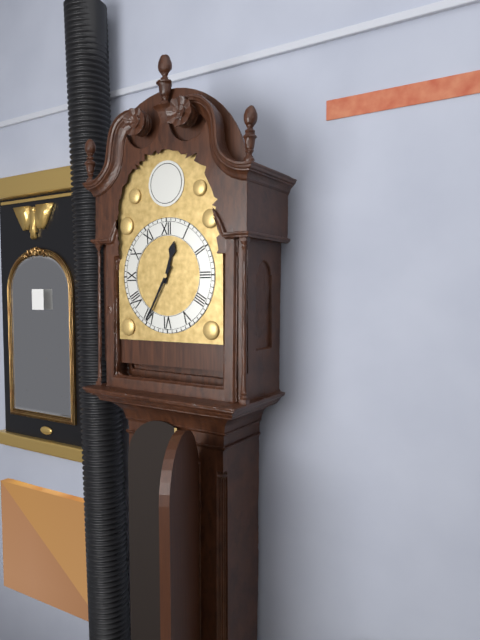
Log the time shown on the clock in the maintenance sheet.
12:35
